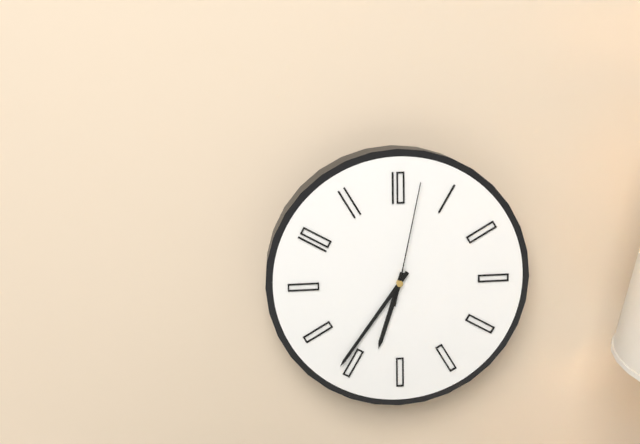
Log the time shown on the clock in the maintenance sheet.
6:36:02
